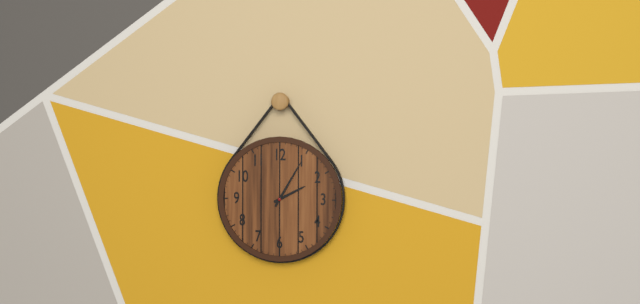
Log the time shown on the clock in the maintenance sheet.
2:05
